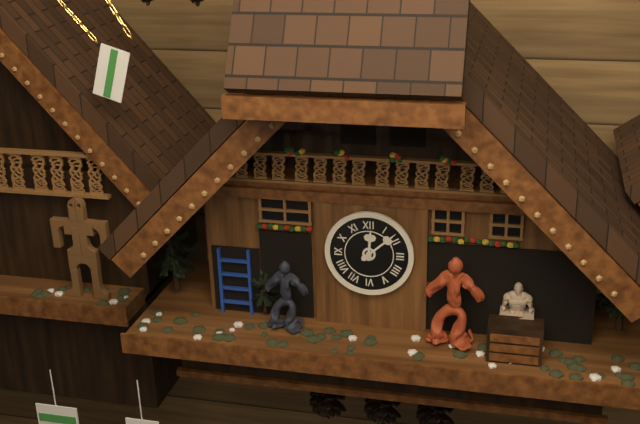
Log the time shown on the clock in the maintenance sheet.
12:08
